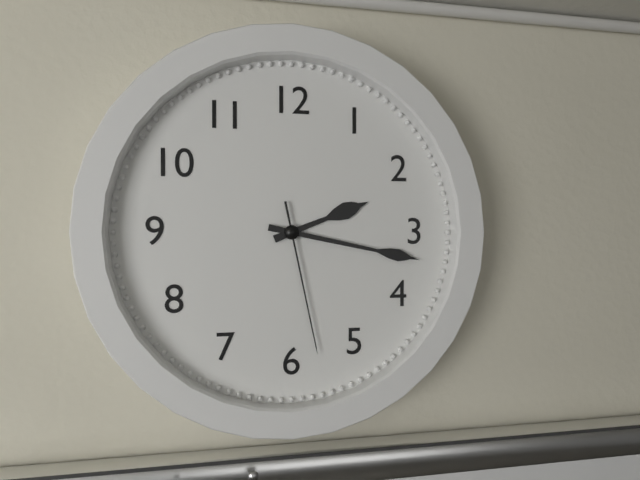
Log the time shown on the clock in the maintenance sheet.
2:17:28
